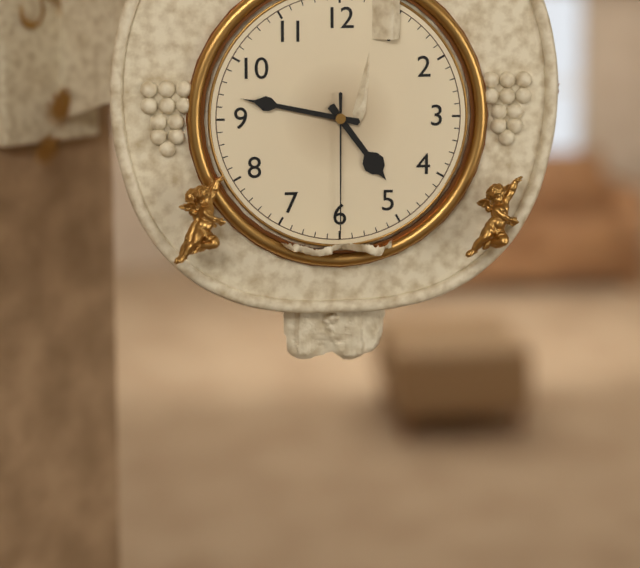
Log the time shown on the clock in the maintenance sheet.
4:47:30
